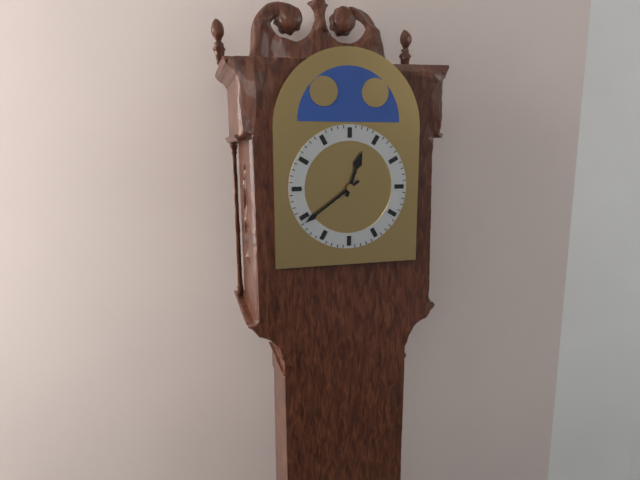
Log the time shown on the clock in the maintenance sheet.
12:39
